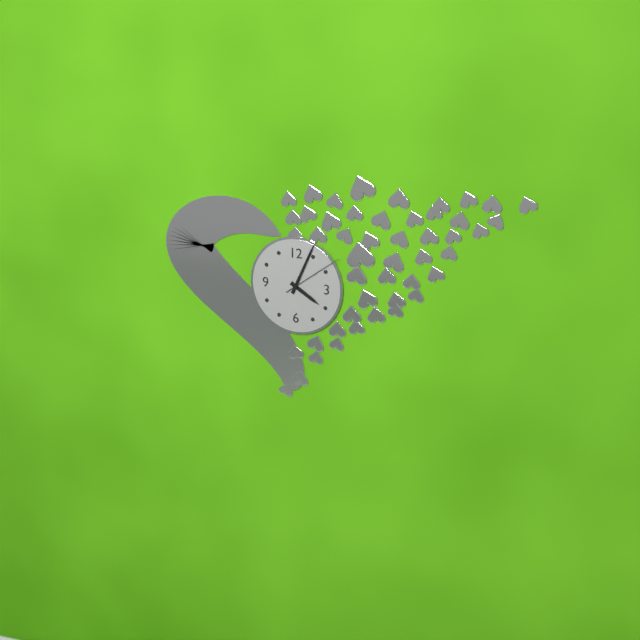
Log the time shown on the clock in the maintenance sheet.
4:04:09
